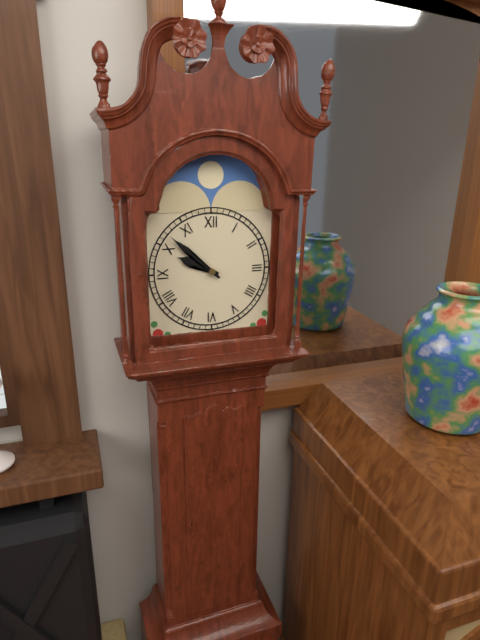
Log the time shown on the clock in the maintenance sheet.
9:52
